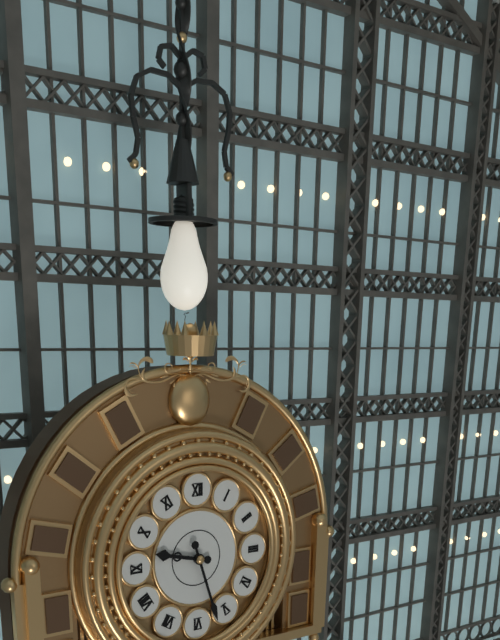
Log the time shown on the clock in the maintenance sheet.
9:27
